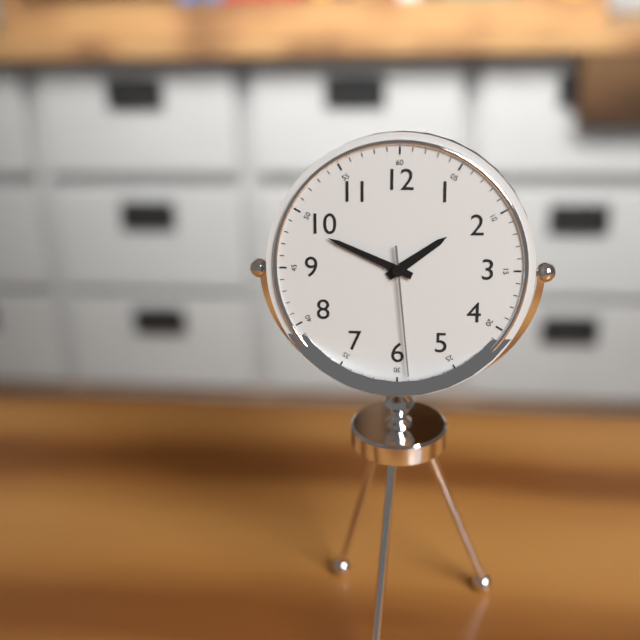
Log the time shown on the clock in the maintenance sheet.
1:49:29
